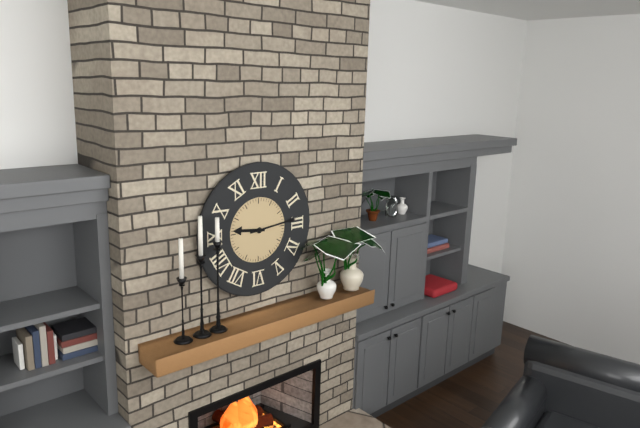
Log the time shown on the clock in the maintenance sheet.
9:14
